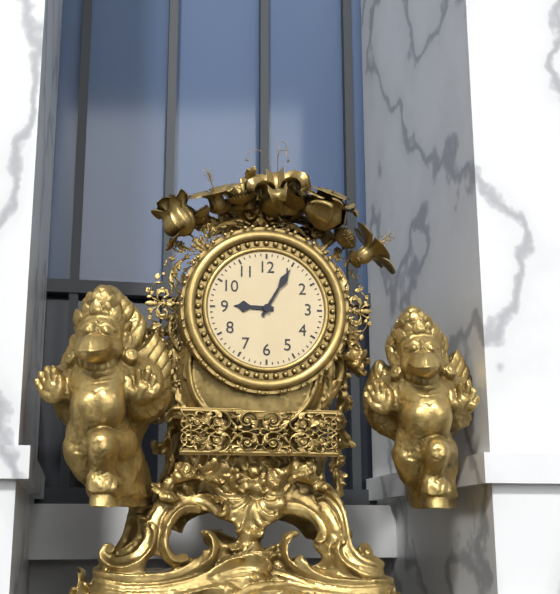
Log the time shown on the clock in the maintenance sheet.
9:05
